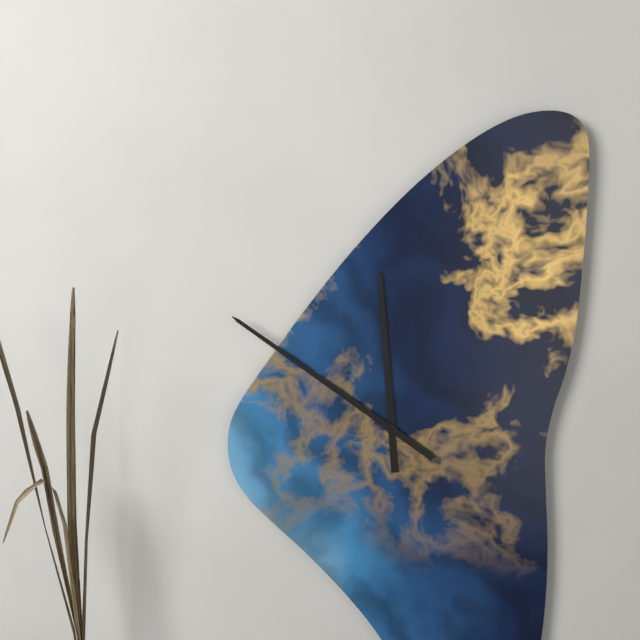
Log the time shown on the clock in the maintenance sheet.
11:51
